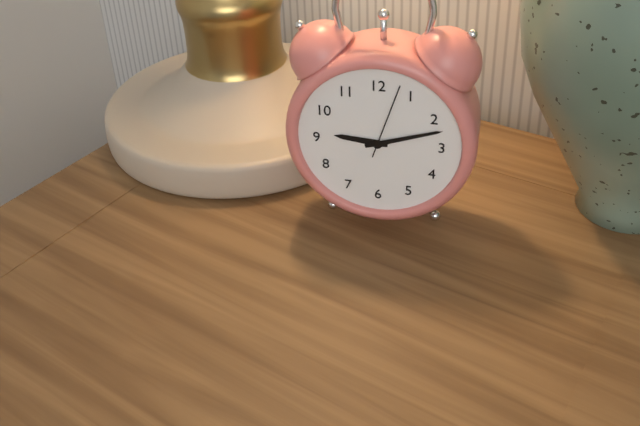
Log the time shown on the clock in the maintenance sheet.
9:12:03
